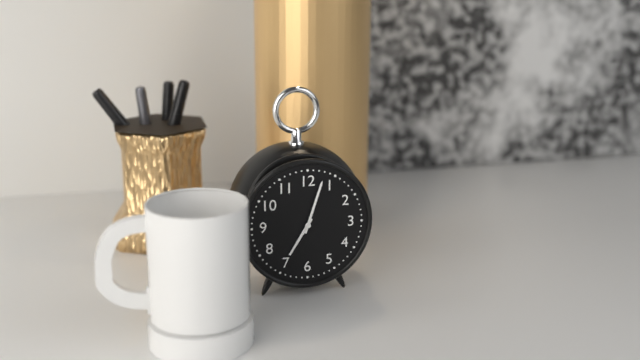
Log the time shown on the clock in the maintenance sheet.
7:03
